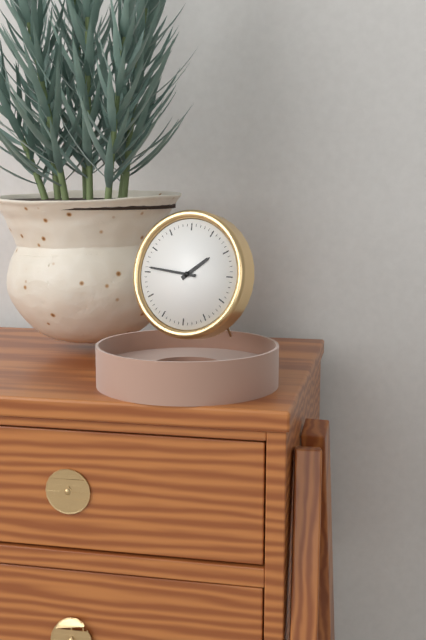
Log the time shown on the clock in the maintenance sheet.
1:46
